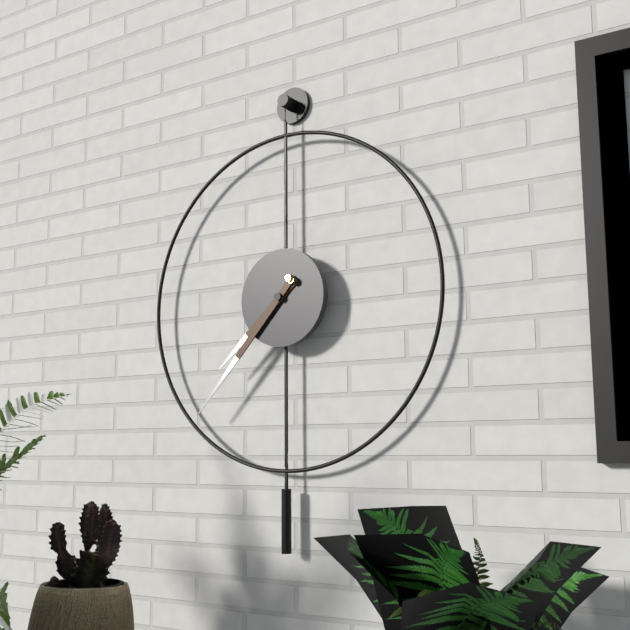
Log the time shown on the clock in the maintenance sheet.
7:37
